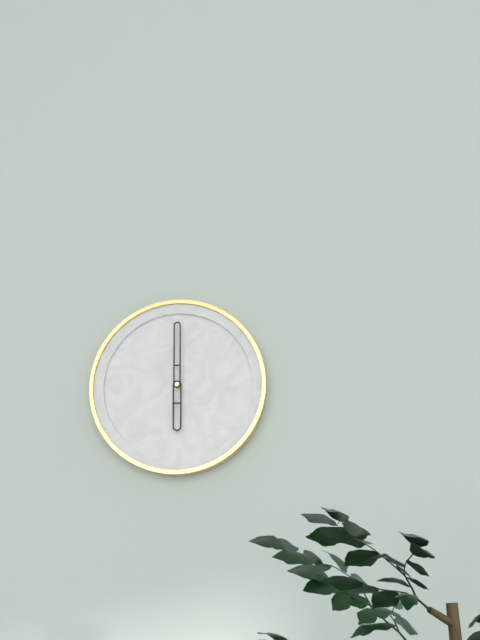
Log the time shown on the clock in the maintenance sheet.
6:00
